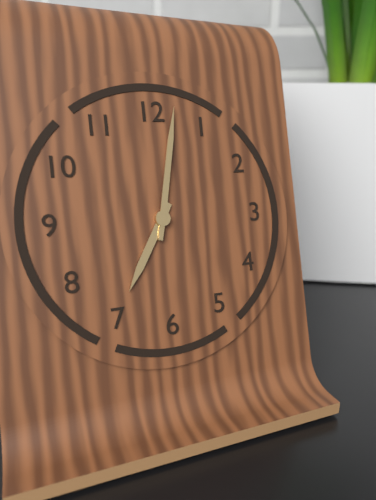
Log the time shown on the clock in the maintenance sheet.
7:02
